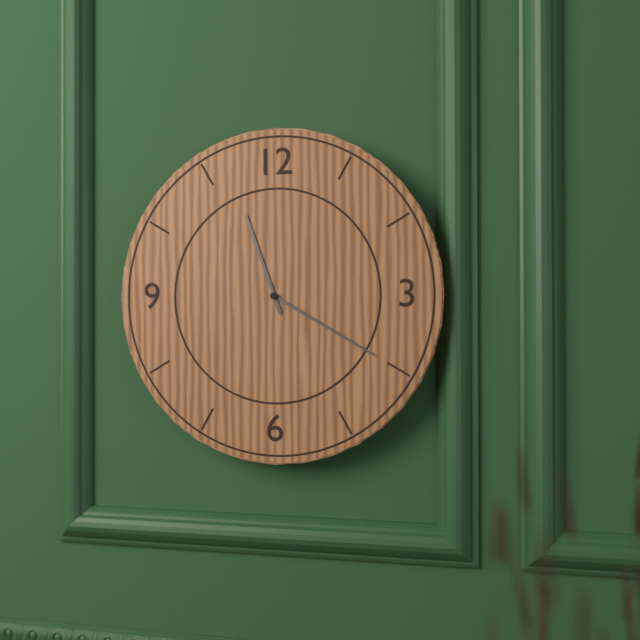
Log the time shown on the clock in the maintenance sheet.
11:20
